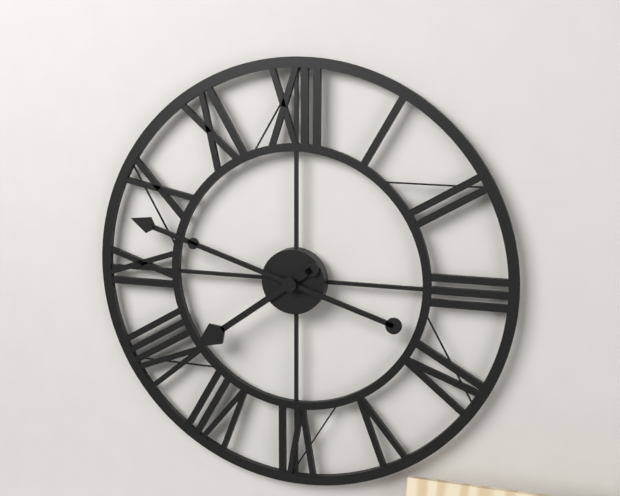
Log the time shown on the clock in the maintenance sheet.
7:48
